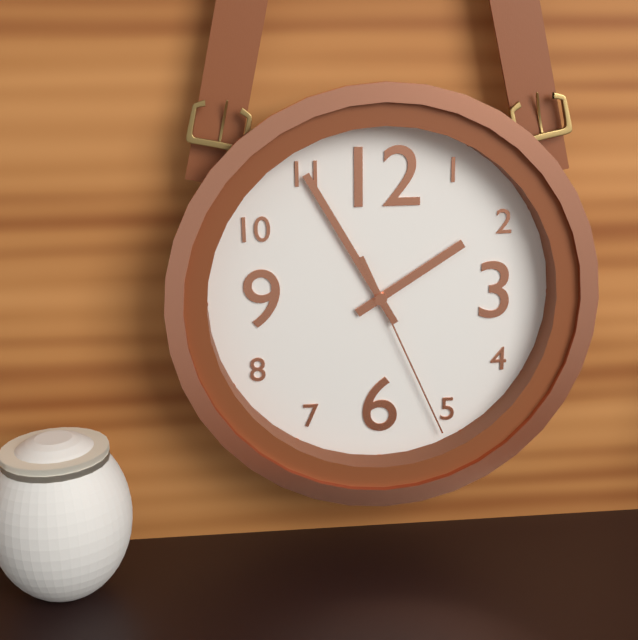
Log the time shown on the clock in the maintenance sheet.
1:55:26
